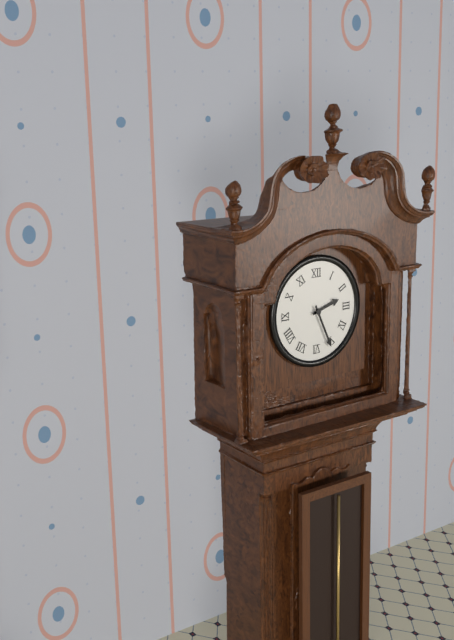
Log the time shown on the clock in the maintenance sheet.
2:26
